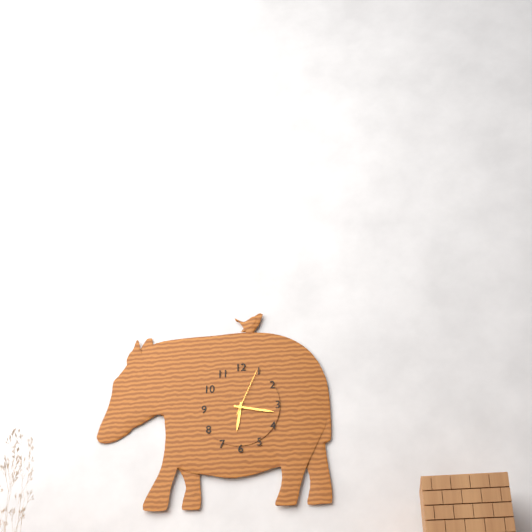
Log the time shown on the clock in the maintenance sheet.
6:17:04
